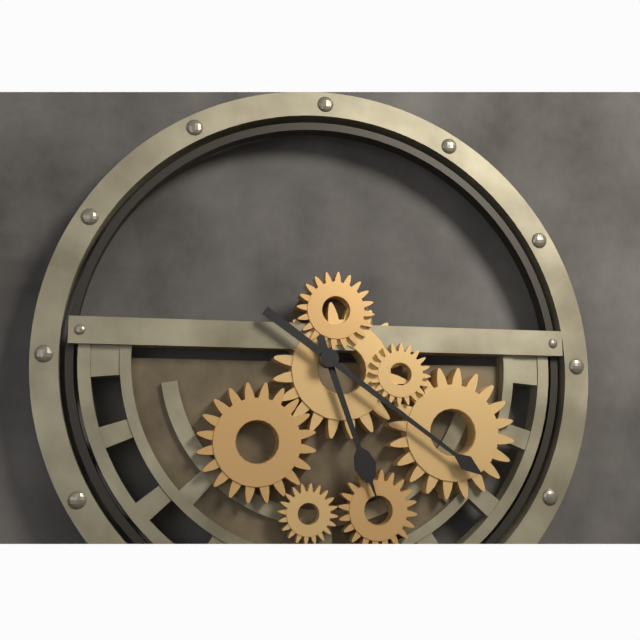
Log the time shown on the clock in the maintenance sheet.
5:21
